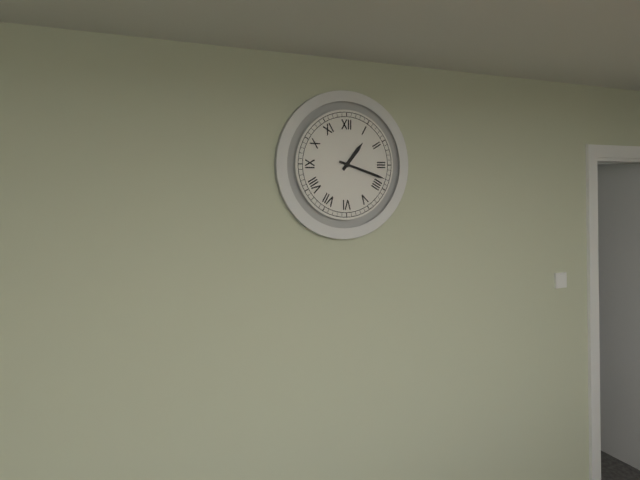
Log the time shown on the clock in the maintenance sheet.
1:18
